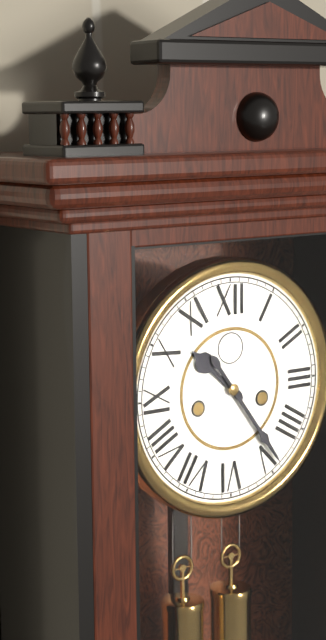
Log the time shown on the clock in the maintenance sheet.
10:24
